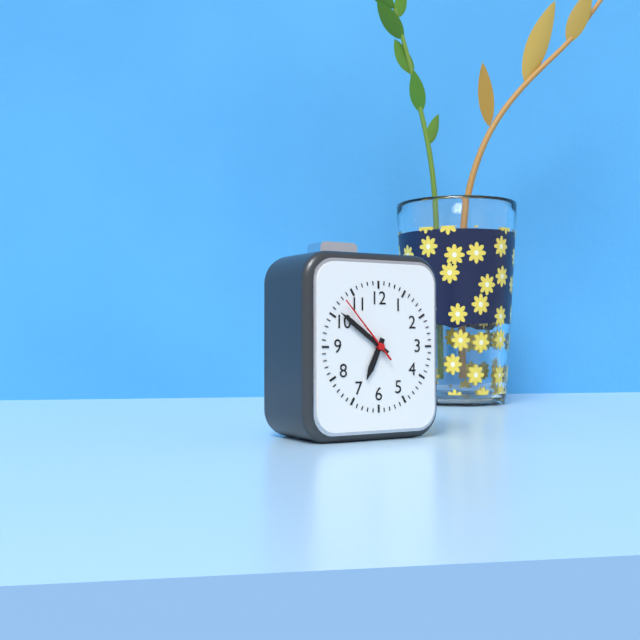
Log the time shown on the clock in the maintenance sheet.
6:51:53
